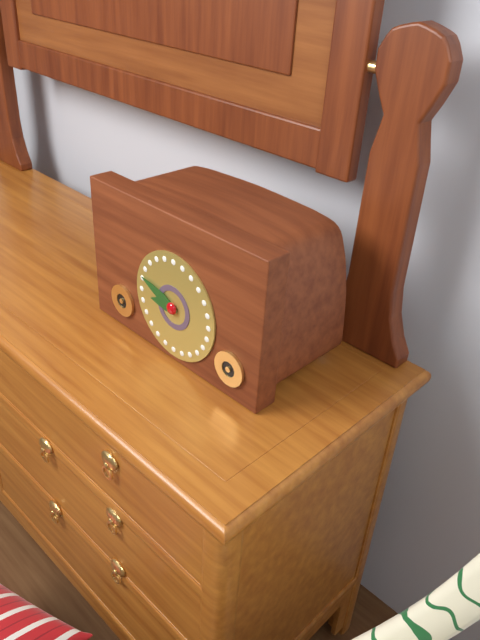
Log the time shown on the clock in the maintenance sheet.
8:48
